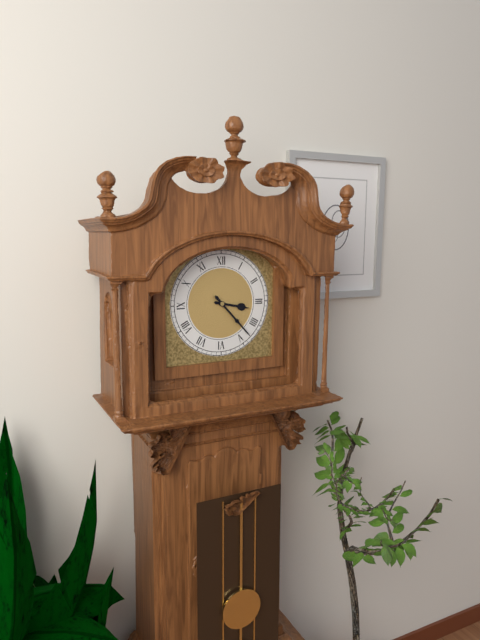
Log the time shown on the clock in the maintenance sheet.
3:23
